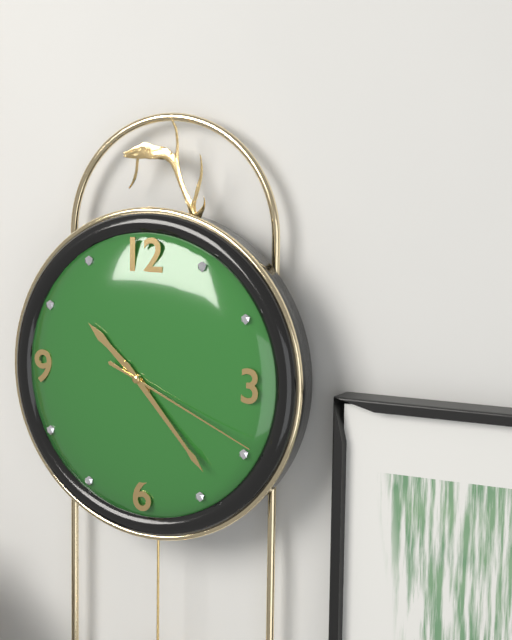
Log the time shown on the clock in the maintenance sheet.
10:23:19
